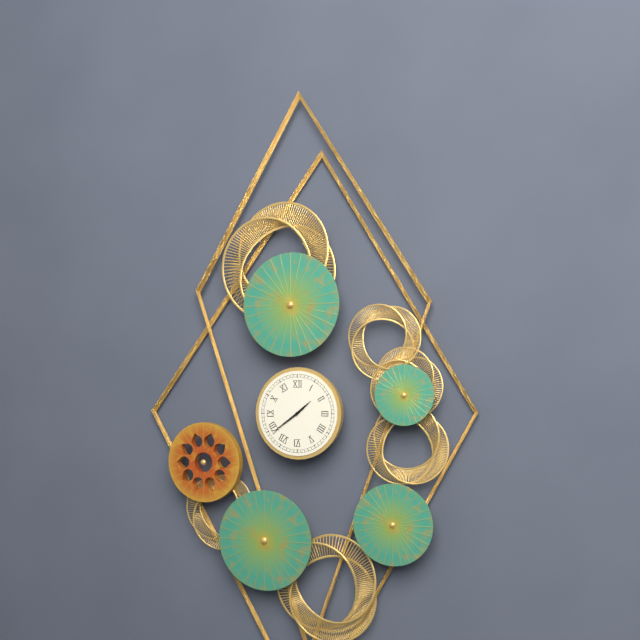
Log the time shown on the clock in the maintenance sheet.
1:39
